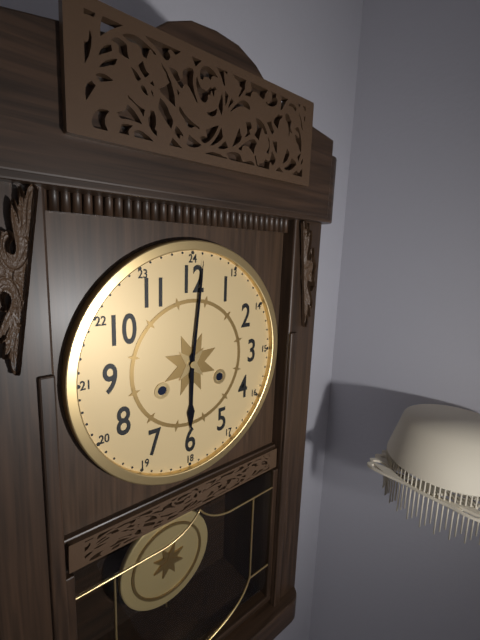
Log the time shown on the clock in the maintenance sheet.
6:01
